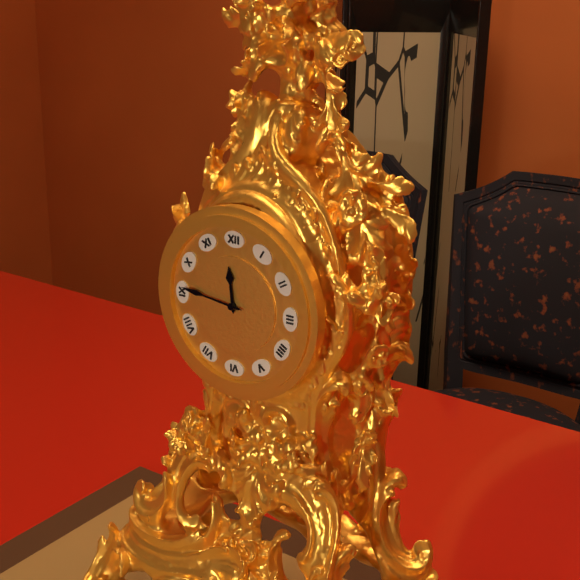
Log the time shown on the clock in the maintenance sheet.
11:46
